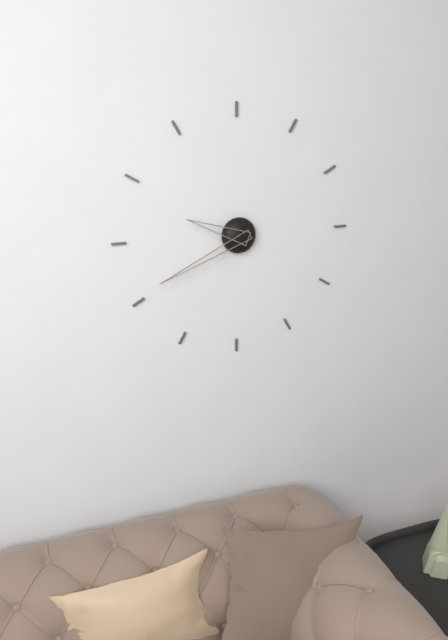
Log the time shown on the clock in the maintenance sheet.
9:41
